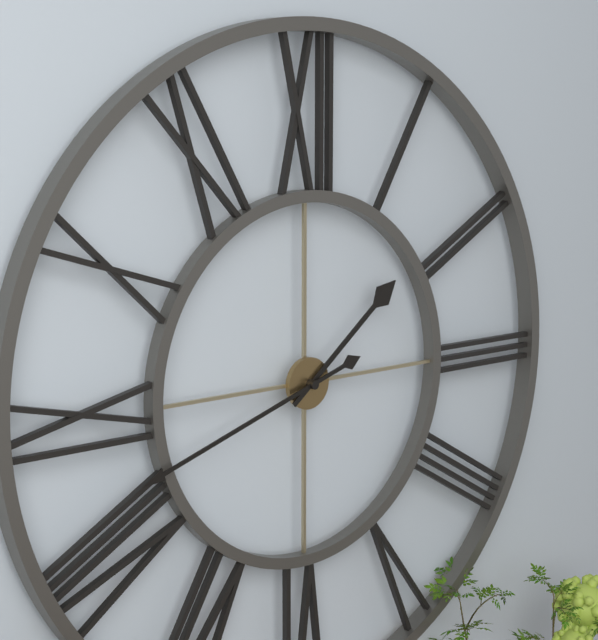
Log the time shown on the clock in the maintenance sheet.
1:42
